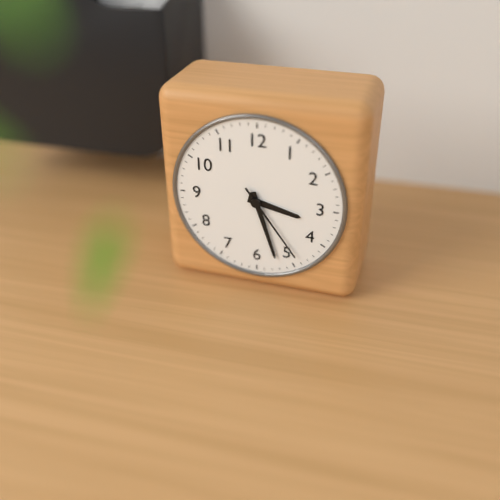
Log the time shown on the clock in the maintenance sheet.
3:27:24
